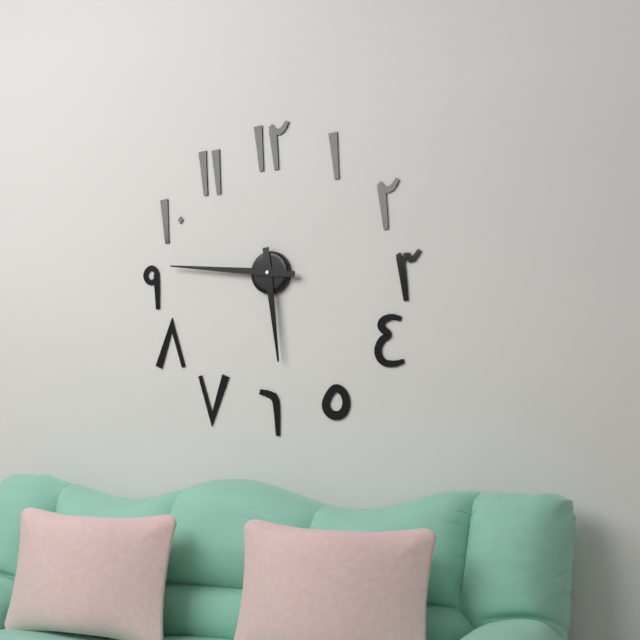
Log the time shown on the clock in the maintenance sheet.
5:46
